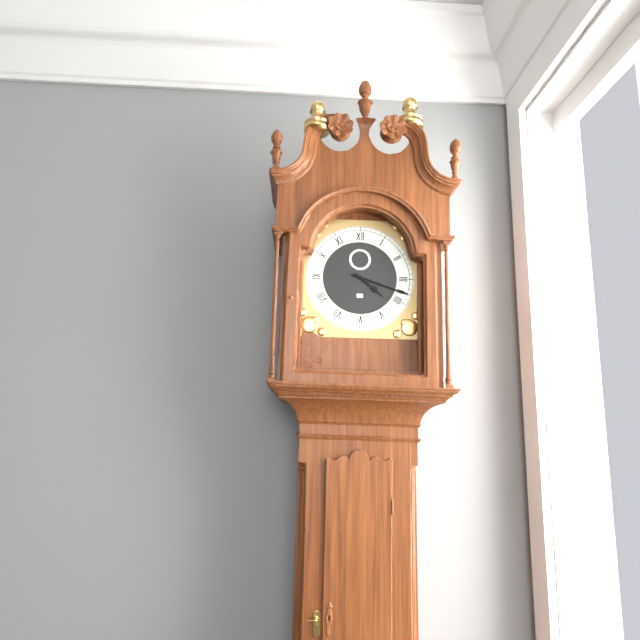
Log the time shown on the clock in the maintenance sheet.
4:18
